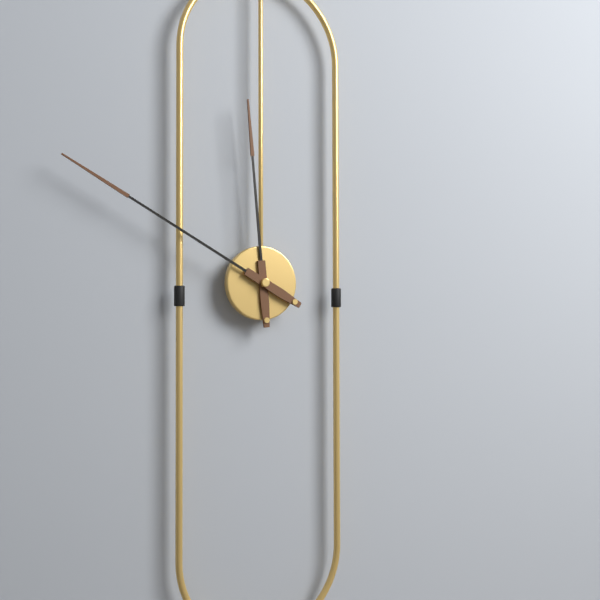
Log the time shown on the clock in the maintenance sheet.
11:50
